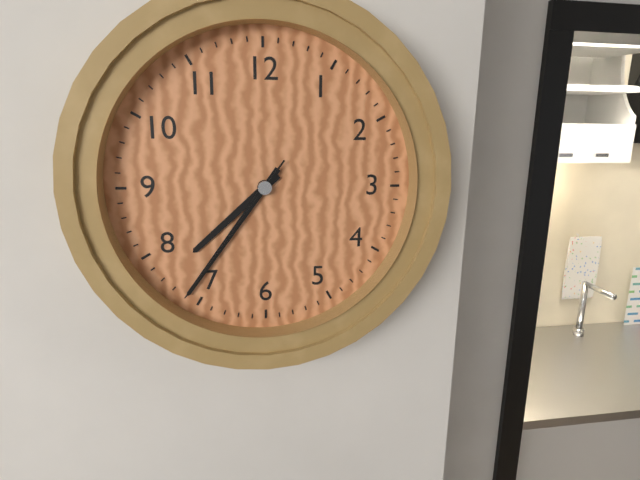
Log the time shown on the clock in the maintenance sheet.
7:36:36
